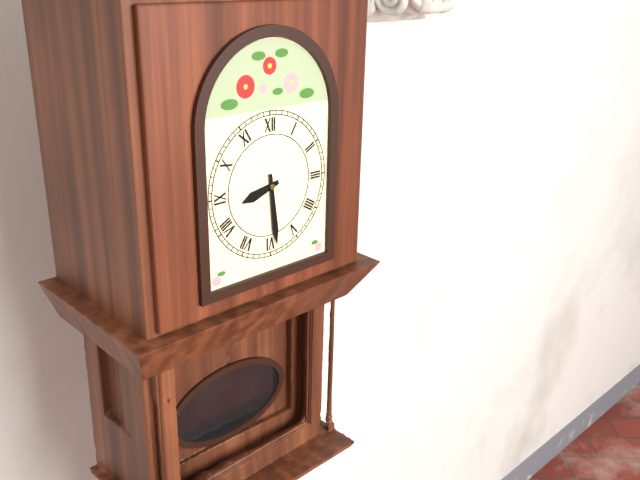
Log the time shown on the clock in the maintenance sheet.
8:29
